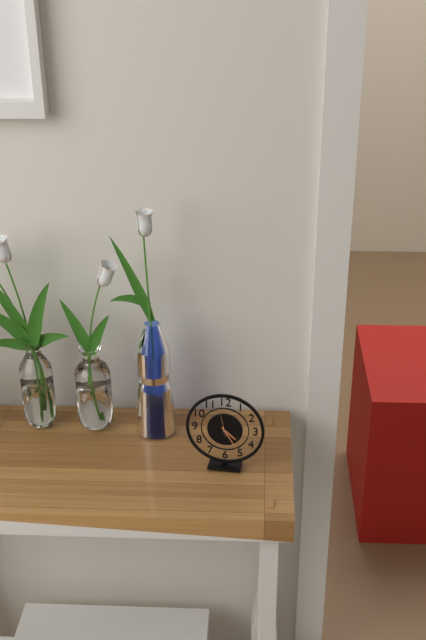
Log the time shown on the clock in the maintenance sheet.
4:25
